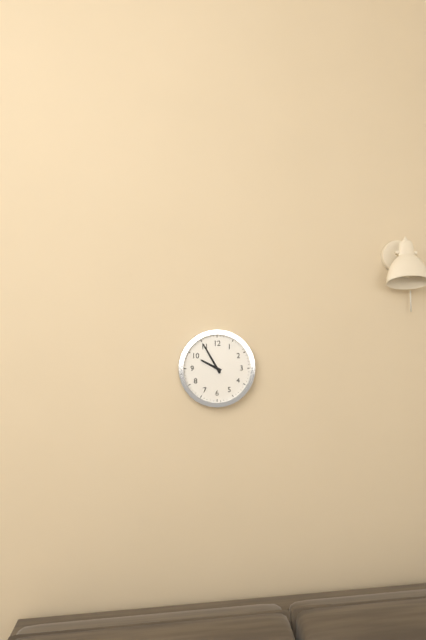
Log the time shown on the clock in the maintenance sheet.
9:55
